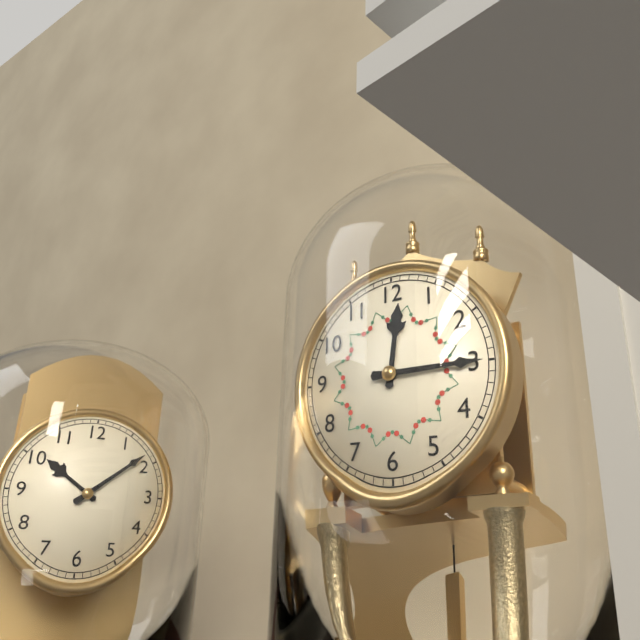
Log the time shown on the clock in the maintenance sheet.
12:15
